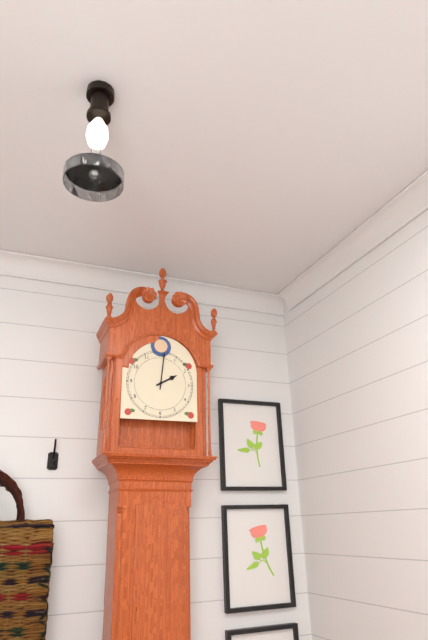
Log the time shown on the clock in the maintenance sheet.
2:01
